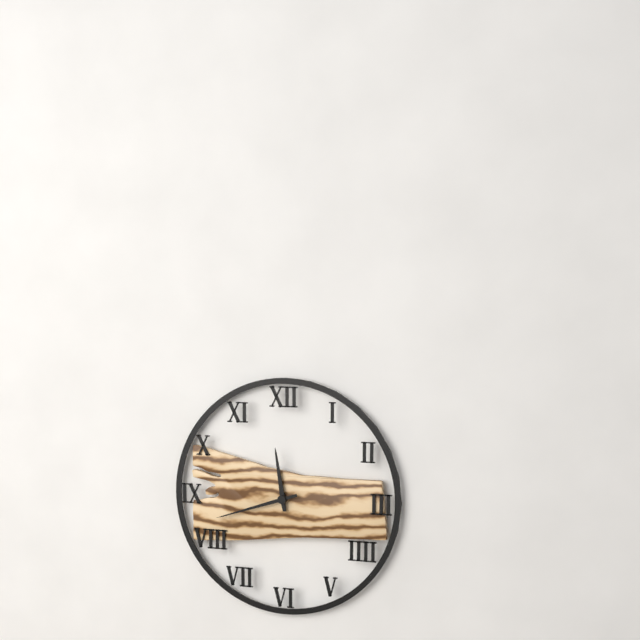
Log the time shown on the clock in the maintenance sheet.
11:42
